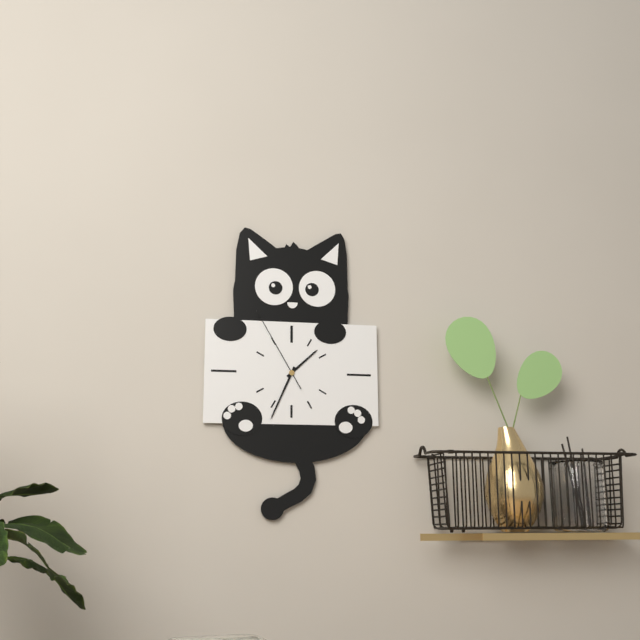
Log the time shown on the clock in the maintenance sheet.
1:34:55
